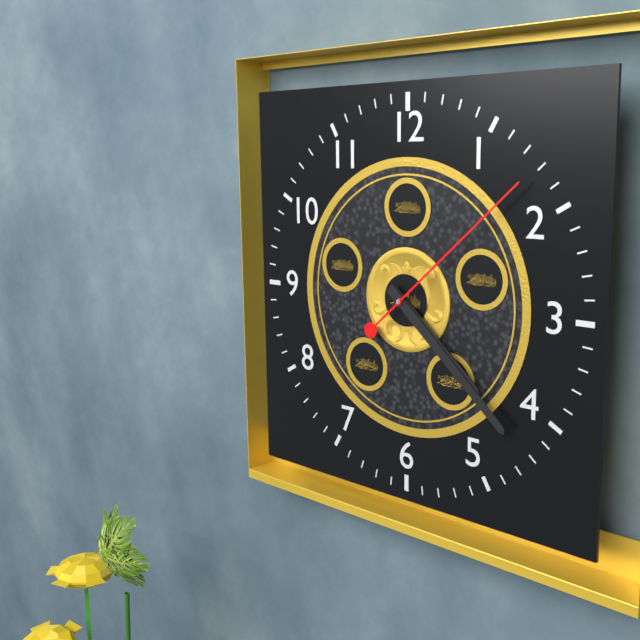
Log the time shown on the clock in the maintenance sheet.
4:22:08
